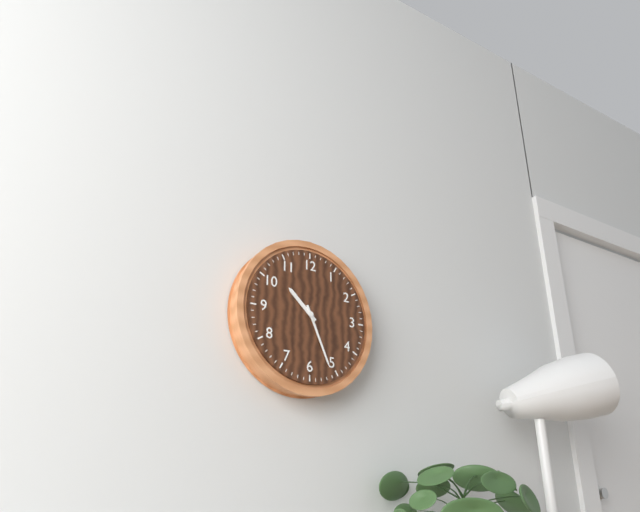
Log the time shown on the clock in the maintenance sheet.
10:26
